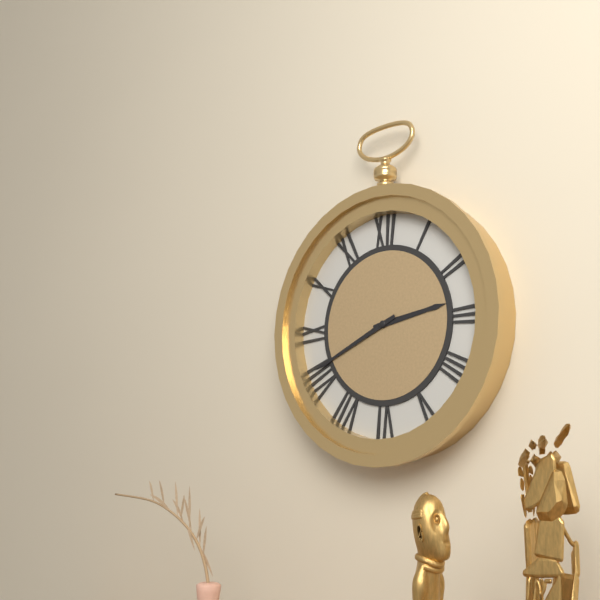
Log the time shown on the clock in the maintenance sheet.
2:41
